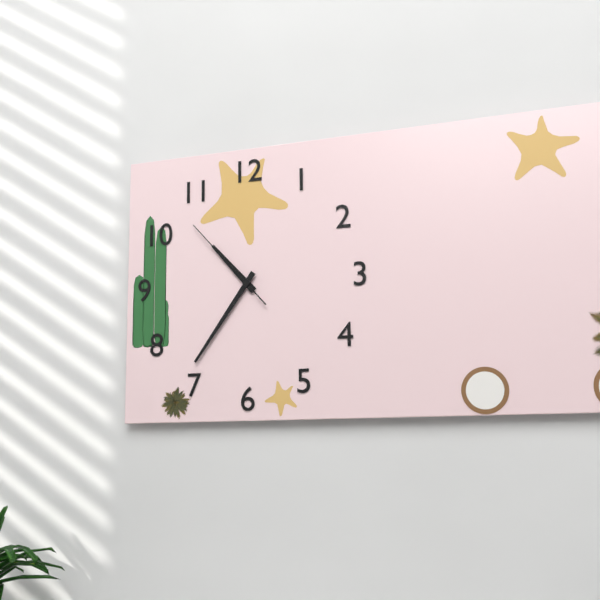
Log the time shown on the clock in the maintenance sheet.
10:36:53
